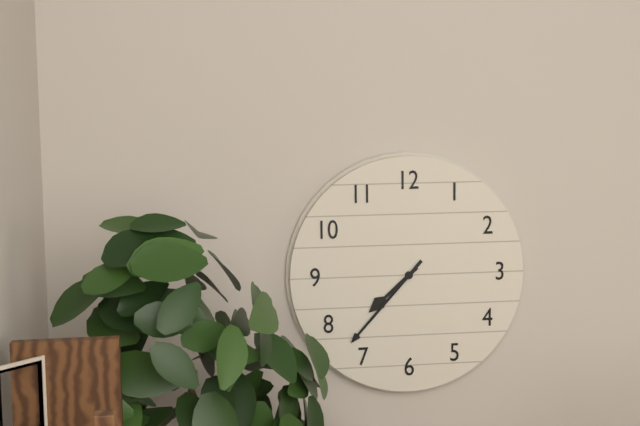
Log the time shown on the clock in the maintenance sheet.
7:37
